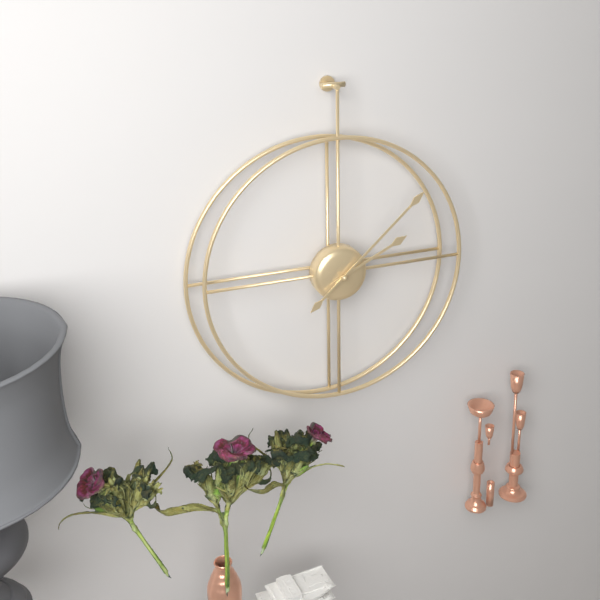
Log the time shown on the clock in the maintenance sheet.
2:08
